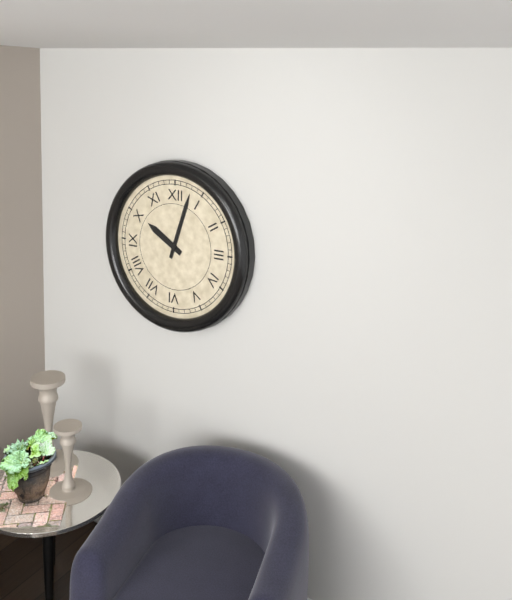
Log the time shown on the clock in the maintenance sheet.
10:03
